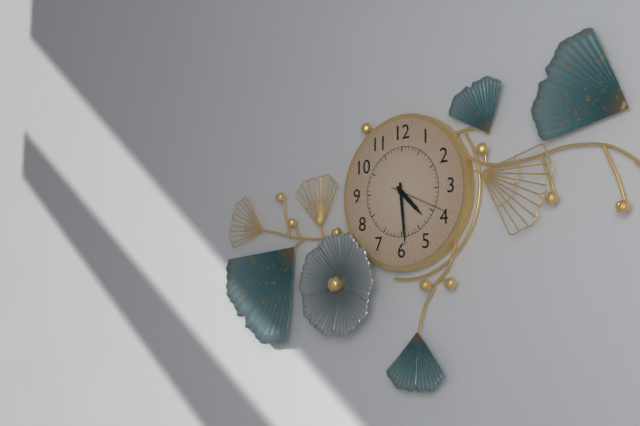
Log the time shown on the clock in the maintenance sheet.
4:29:19
